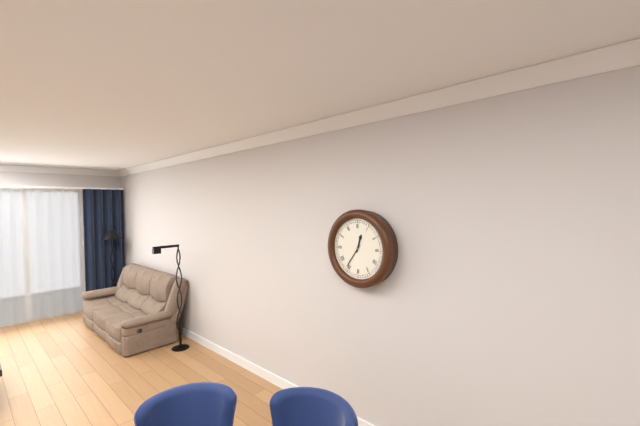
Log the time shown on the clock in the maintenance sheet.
12:36
